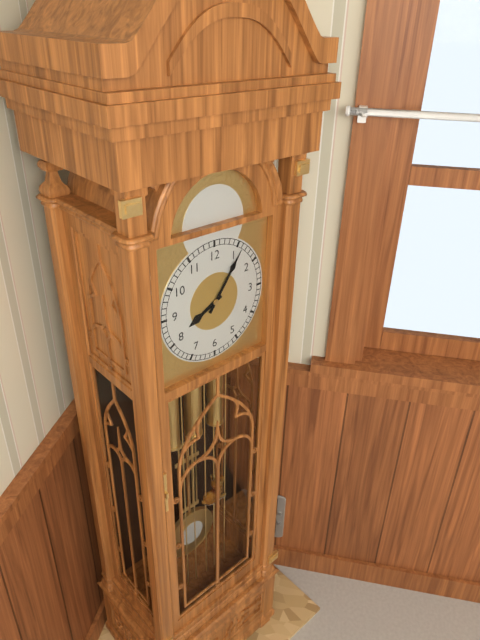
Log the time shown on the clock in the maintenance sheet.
8:06
